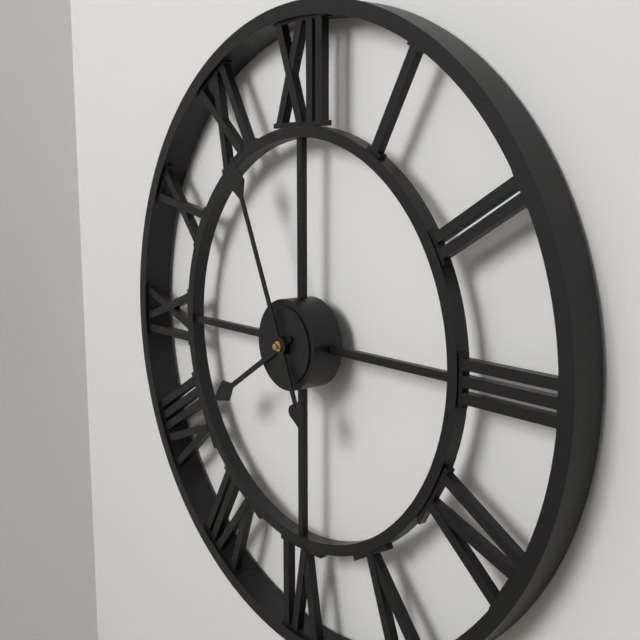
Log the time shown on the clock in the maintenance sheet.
7:56
